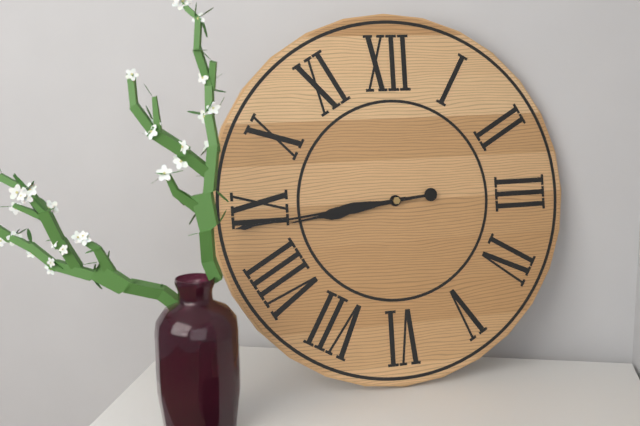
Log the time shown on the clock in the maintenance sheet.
8:44
